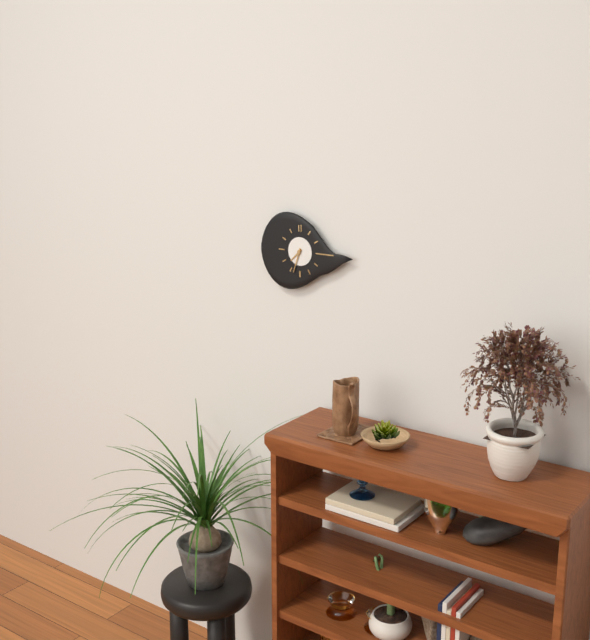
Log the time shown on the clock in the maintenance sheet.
7:33
